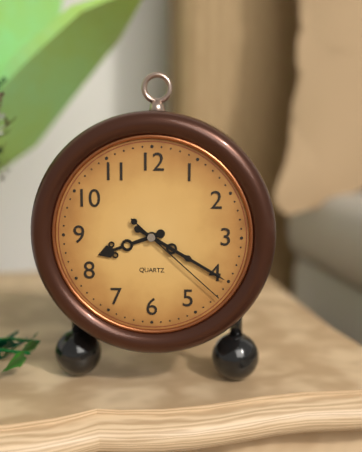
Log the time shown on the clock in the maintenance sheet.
8:20:22
